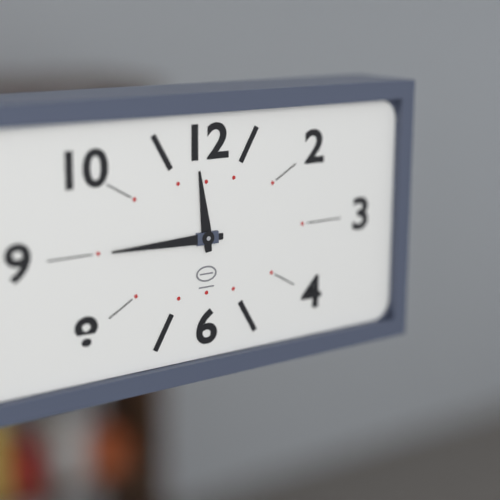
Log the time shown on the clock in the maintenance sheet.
11:45
